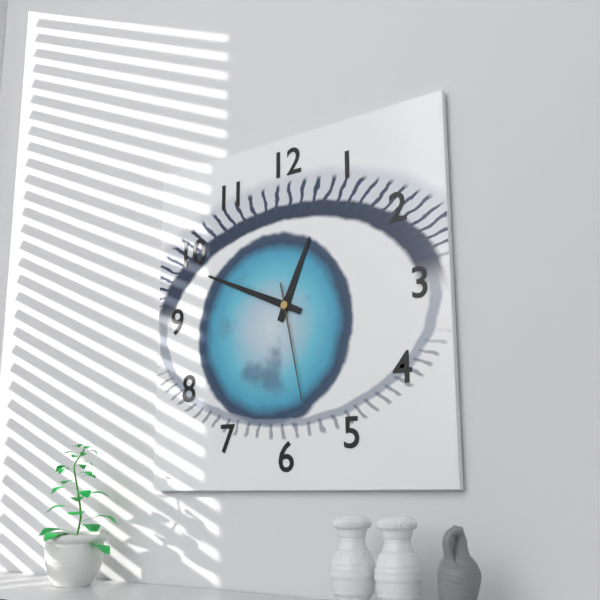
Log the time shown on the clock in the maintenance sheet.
12:49:28
